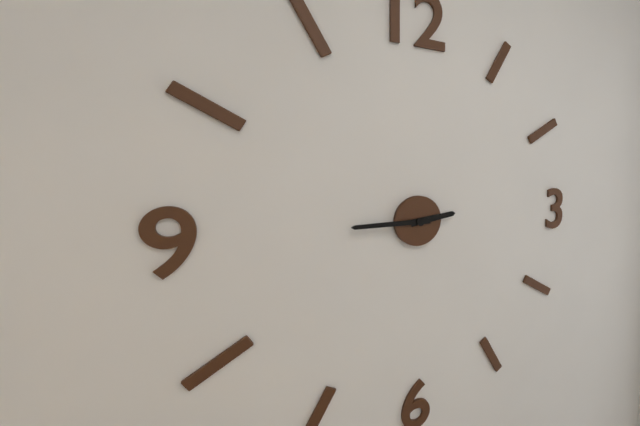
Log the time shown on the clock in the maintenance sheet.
2:45
